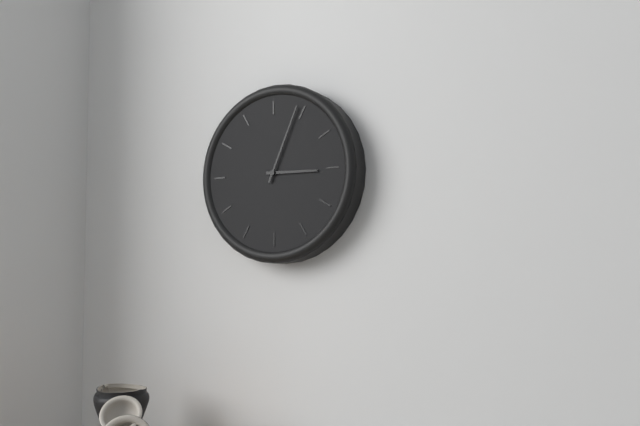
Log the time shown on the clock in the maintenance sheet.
3:04
